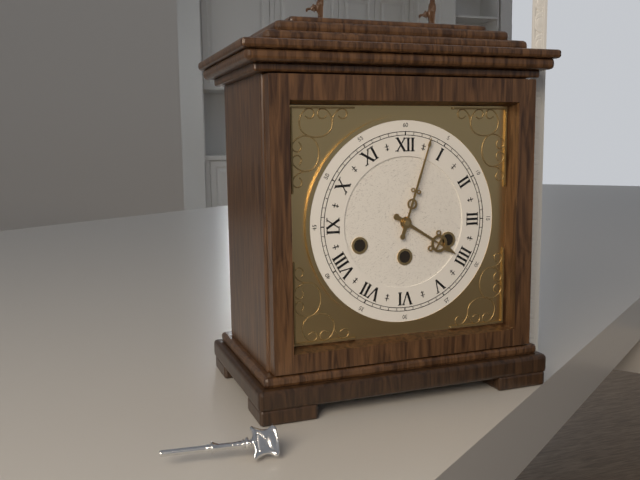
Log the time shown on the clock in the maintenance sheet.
4:03
